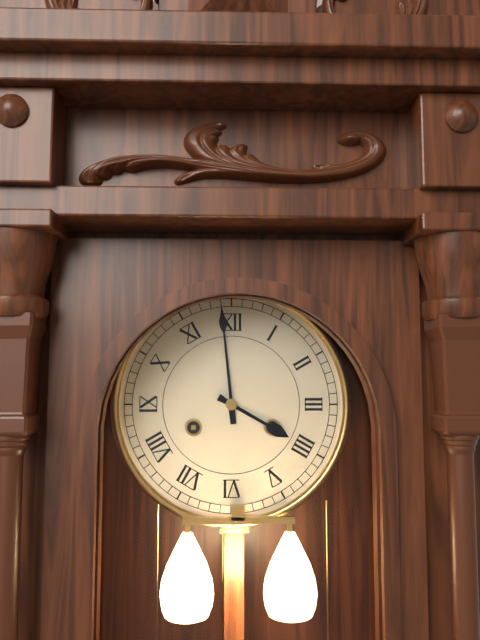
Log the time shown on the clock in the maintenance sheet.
3:59
